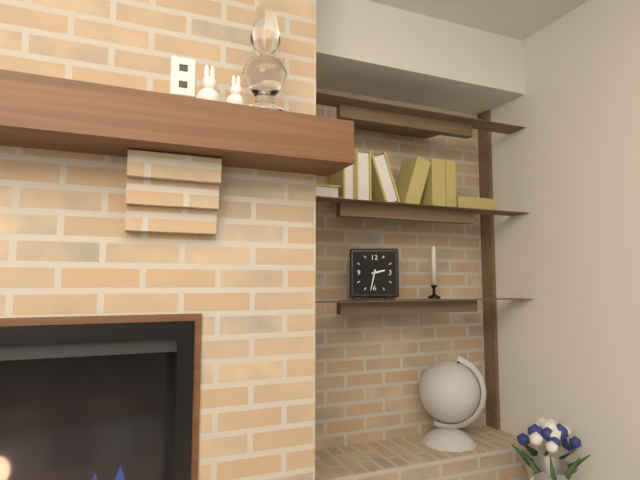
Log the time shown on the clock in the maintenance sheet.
2:32
